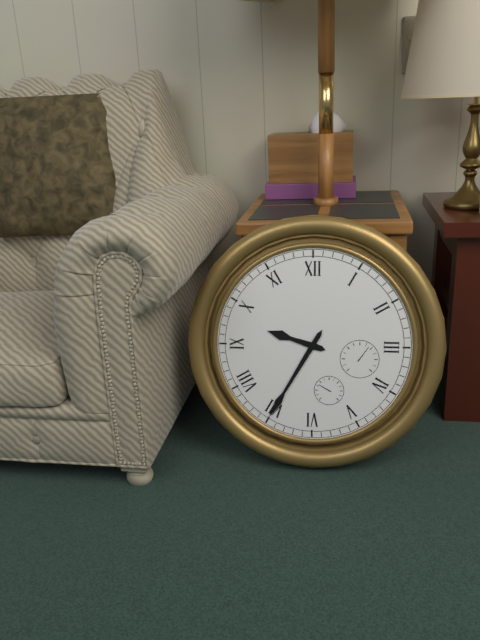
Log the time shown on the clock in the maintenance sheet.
9:35
